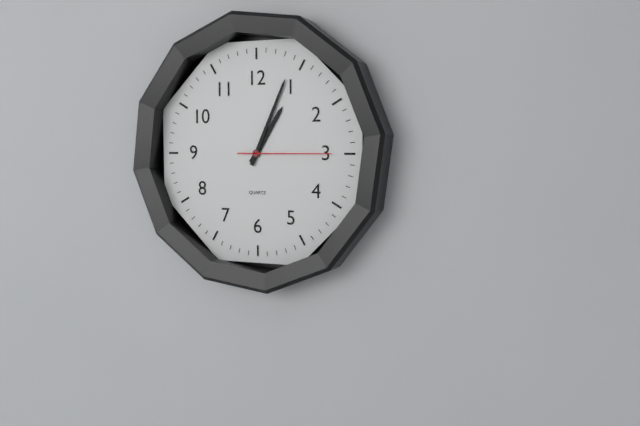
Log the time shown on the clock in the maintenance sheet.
1:04:15
